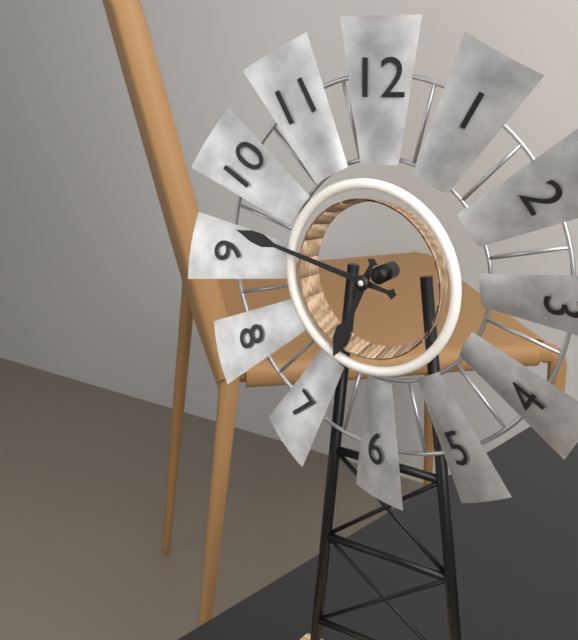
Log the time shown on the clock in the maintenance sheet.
6:47
